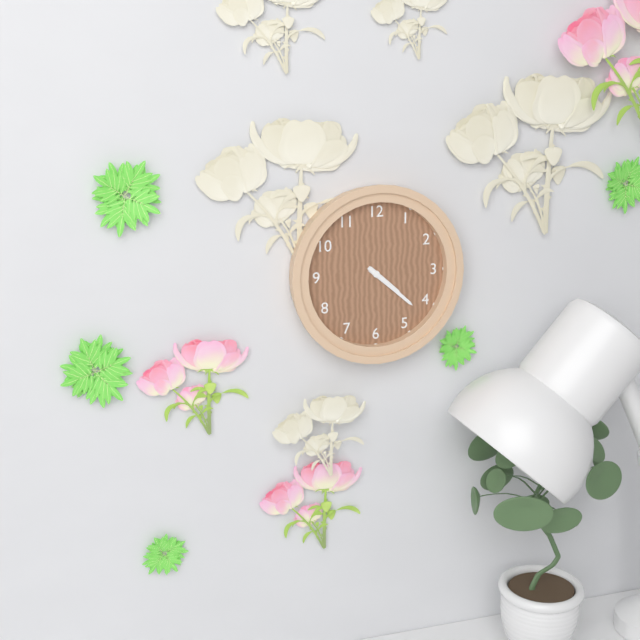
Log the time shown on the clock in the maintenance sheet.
4:22
